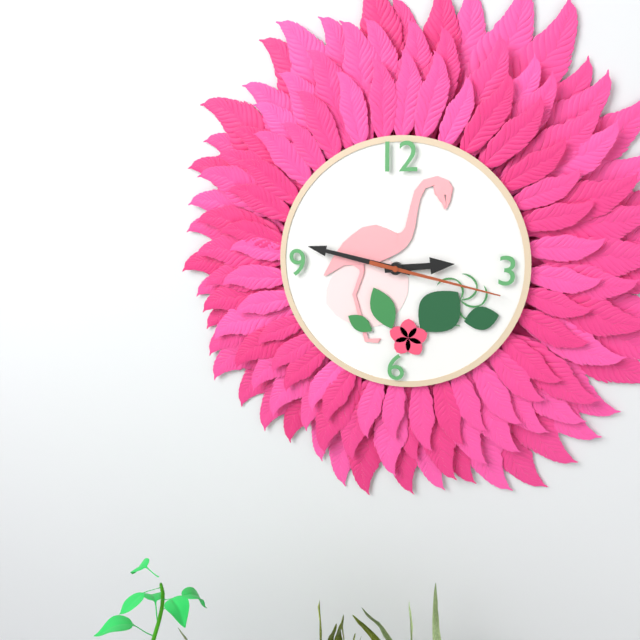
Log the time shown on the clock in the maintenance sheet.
2:47:17
